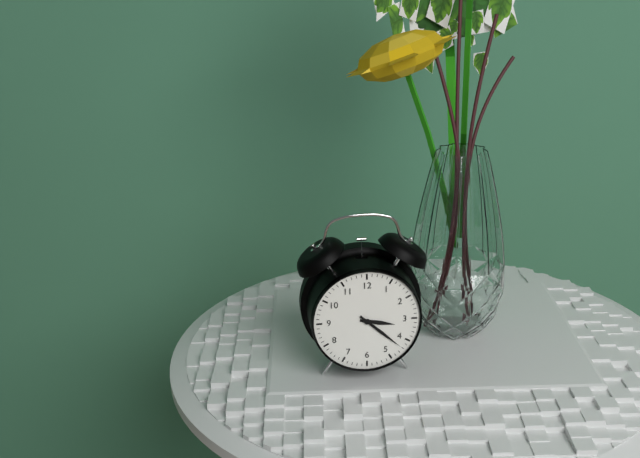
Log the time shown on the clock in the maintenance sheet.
3:22
